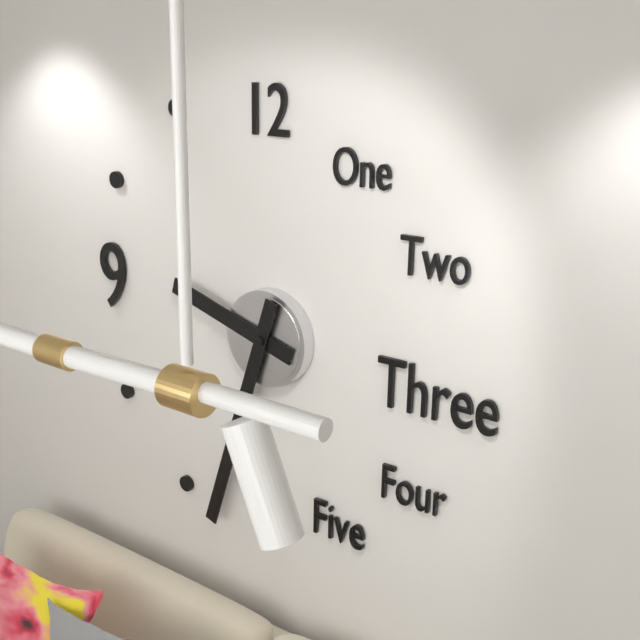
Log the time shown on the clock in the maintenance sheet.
9:33
